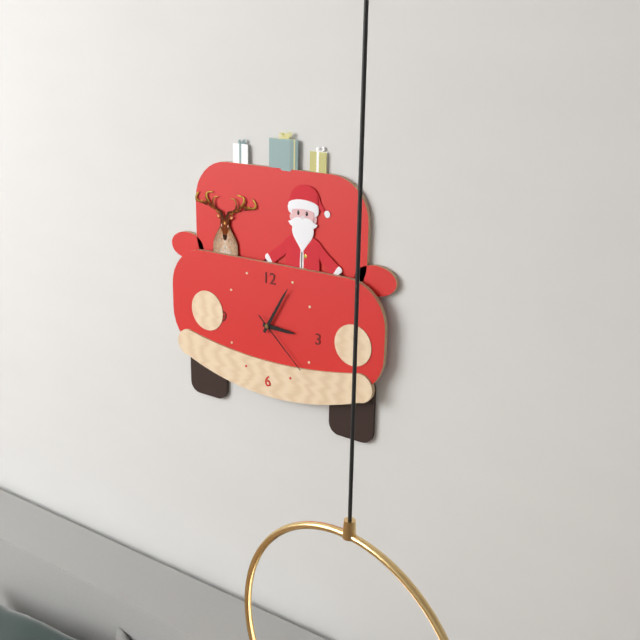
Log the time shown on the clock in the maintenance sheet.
3:05:22
